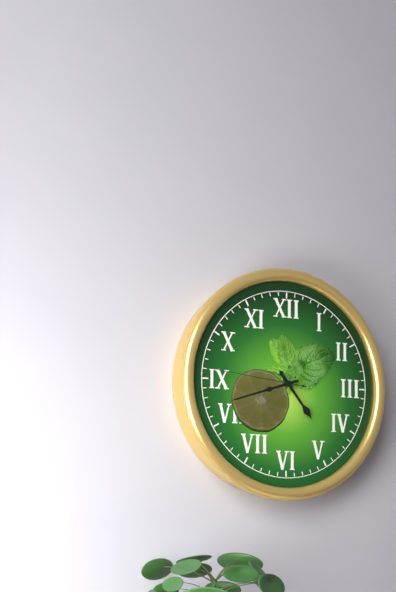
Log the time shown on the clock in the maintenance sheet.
4:42:46
